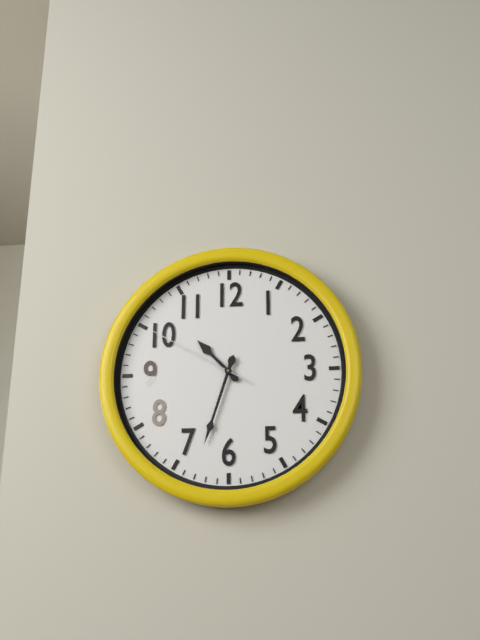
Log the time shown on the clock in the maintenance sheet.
10:33:50
